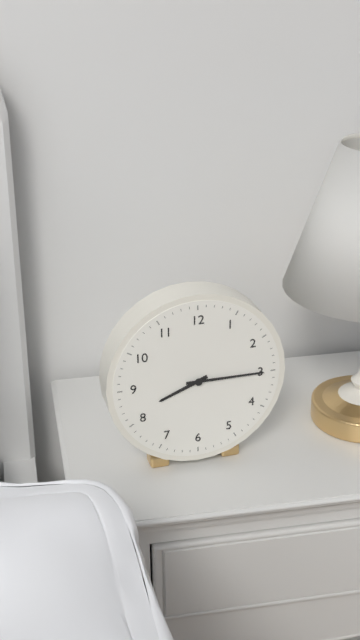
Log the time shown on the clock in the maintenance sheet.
8:15
